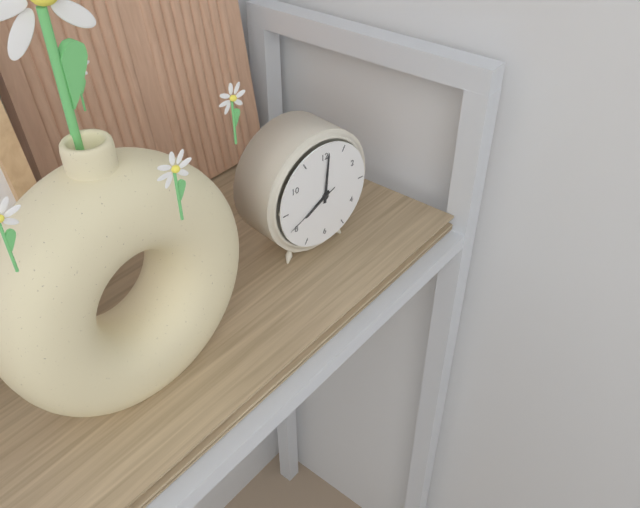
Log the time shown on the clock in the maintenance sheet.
8:01:41
